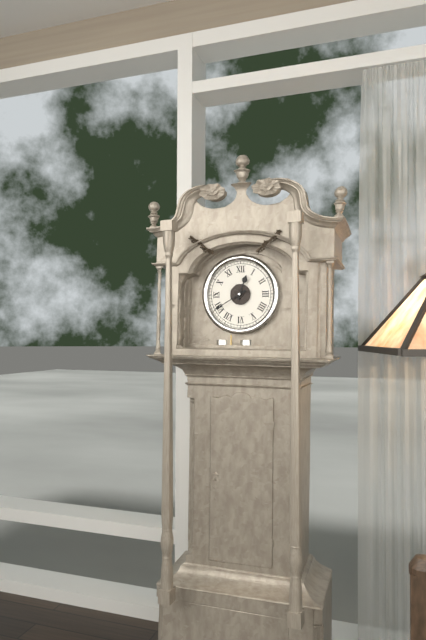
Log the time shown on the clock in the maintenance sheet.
12:40
